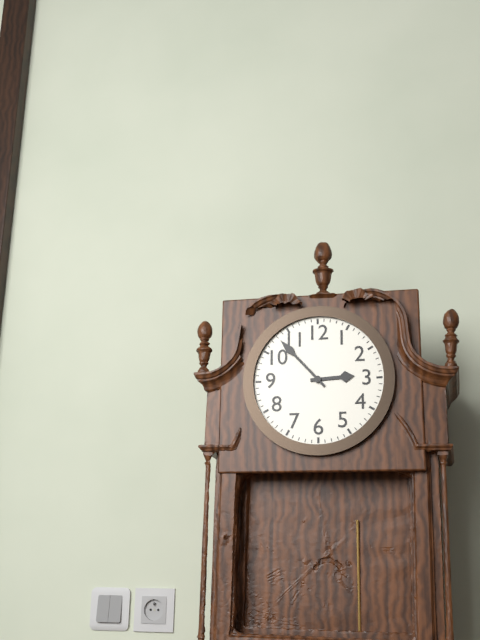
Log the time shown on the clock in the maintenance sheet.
2:53
